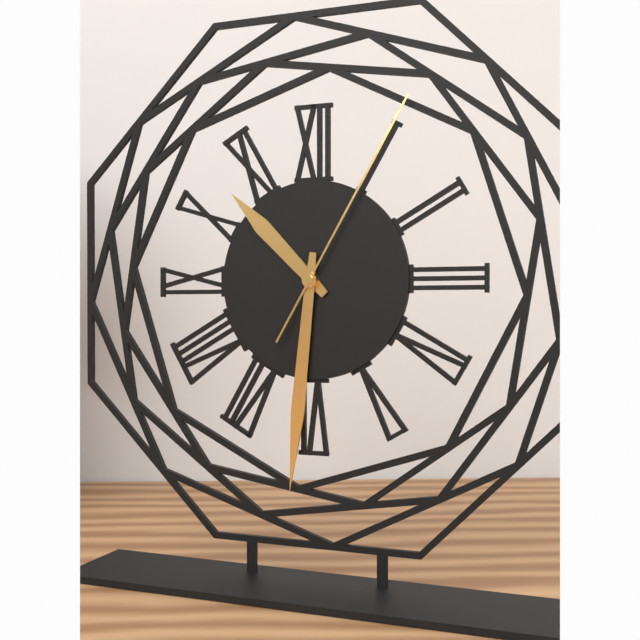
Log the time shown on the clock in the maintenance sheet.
10:31:05
